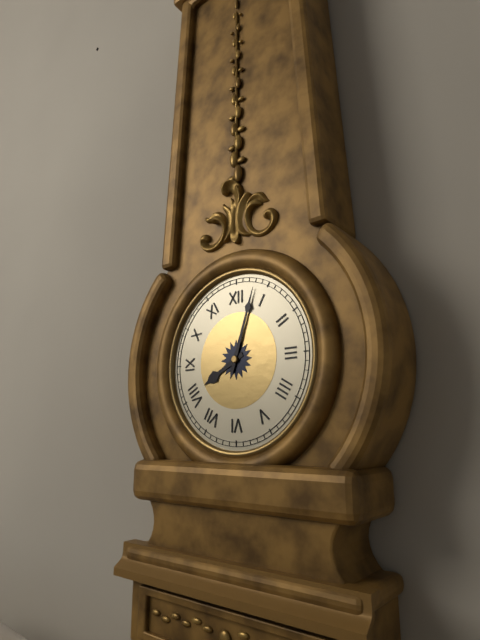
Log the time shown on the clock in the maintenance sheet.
8:03
